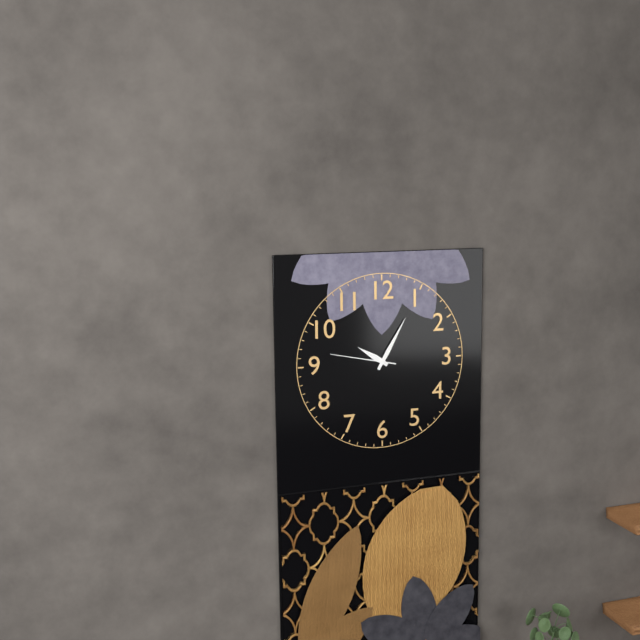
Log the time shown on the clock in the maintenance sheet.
10:05:47
